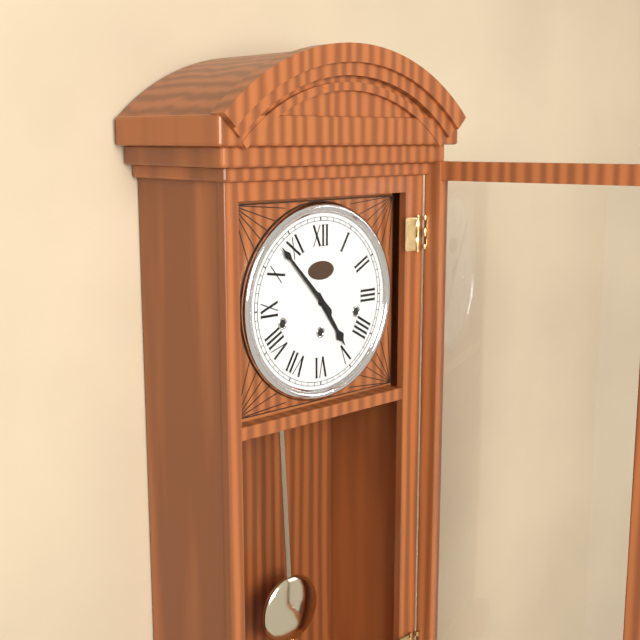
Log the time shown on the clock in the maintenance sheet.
4:53
